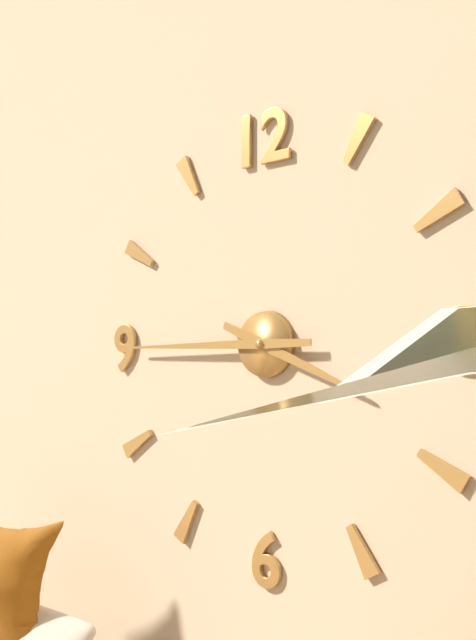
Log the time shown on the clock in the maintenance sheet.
3:45
